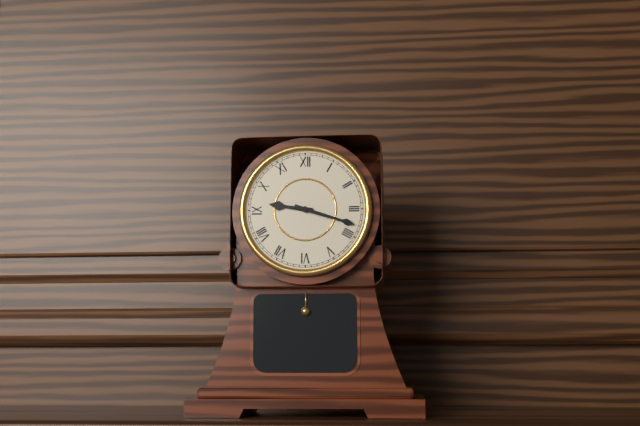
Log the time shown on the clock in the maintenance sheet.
9:18
